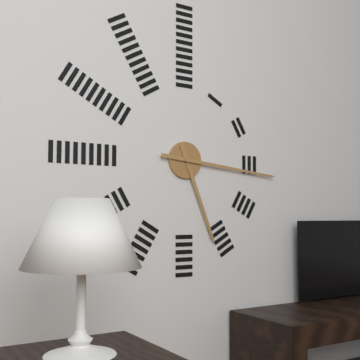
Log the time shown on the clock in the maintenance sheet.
5:16
